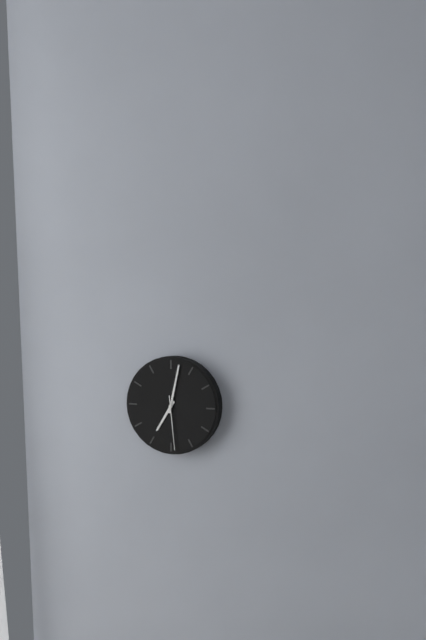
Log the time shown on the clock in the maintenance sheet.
7:02:29
